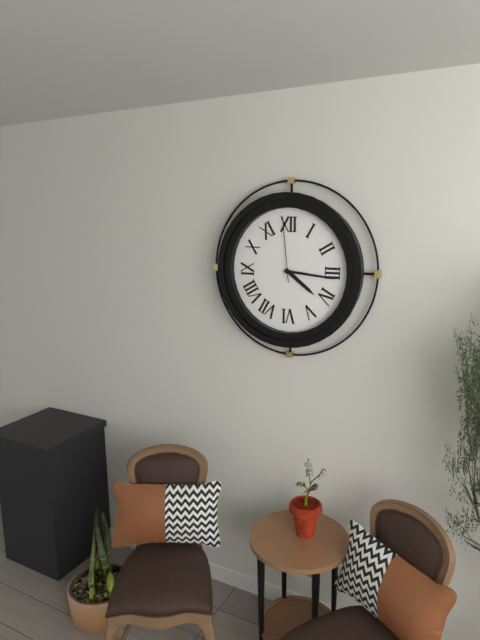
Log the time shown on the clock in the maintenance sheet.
4:16:59
